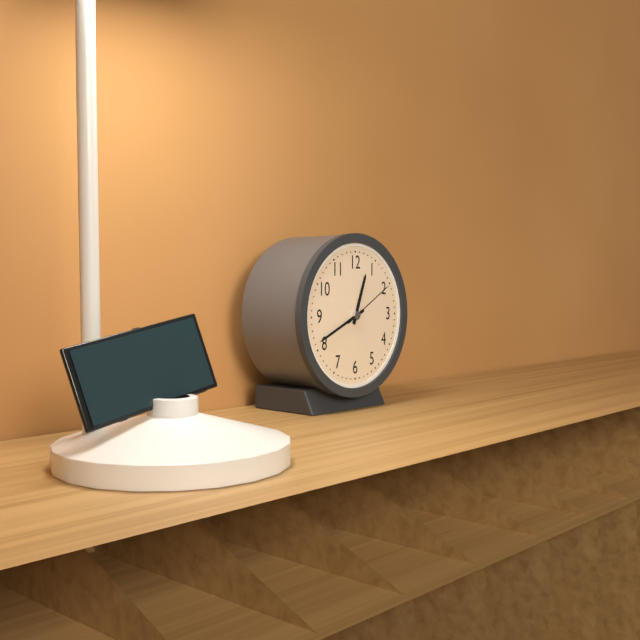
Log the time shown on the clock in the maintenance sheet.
12:41:10
